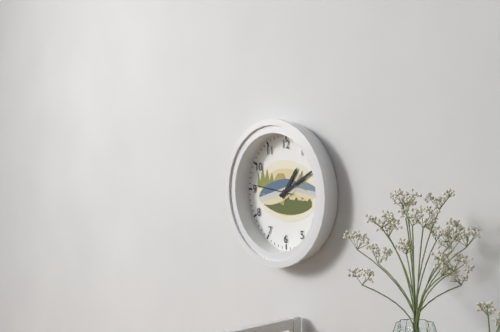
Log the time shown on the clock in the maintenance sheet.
1:10
